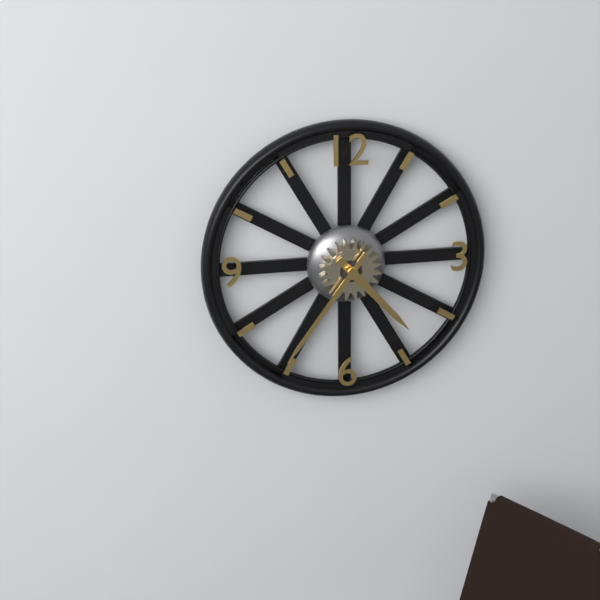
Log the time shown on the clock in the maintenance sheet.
4:36
